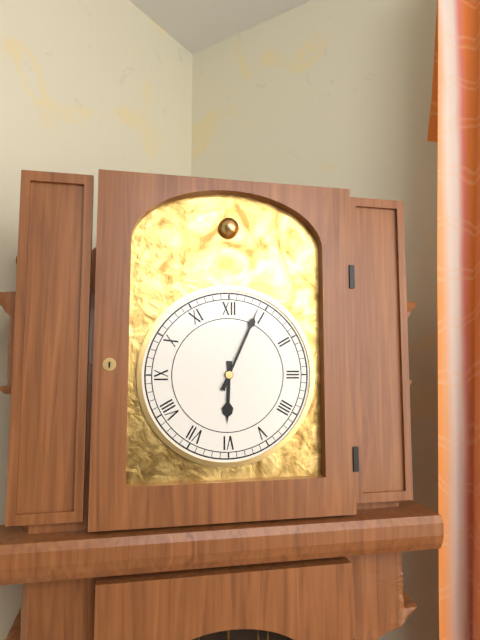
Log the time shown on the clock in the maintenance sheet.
6:04
